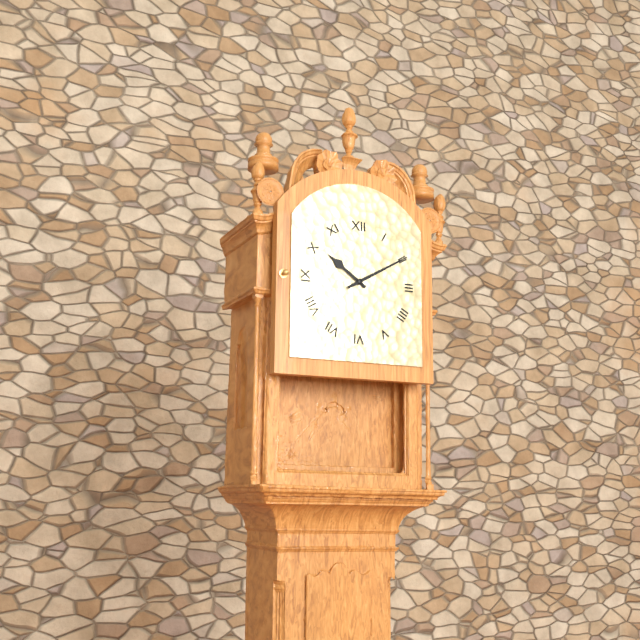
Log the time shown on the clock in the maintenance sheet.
10:10
